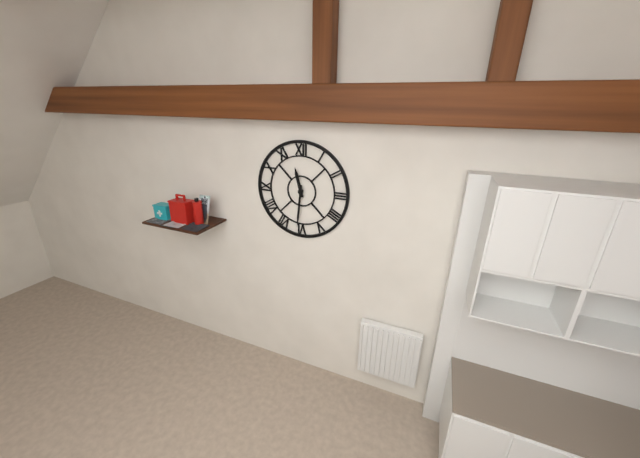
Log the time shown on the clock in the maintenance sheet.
11:31
